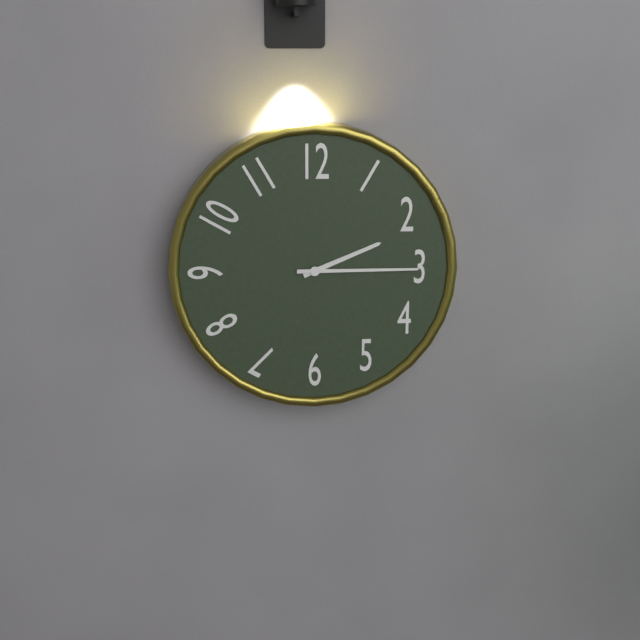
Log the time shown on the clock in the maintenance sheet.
2:15
